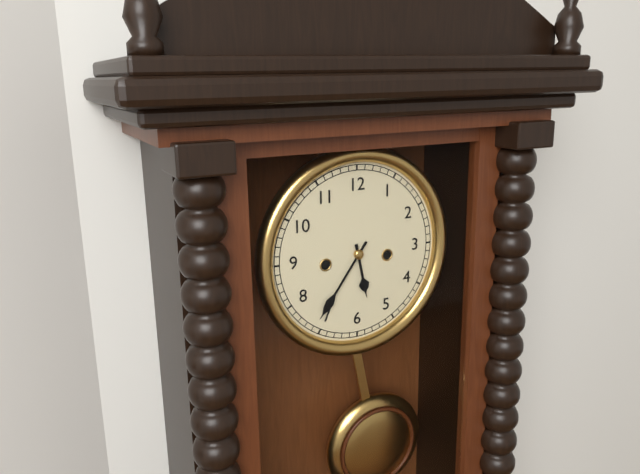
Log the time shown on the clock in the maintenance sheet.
5:36
